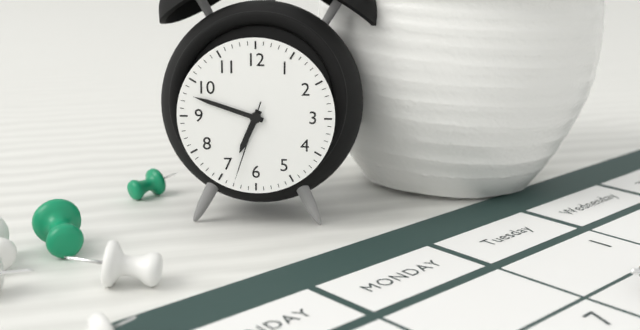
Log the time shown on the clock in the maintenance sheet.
6:48:33
